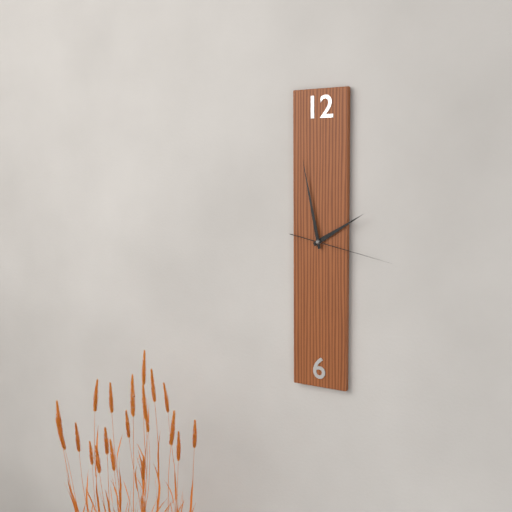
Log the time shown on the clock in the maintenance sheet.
1:58:17
